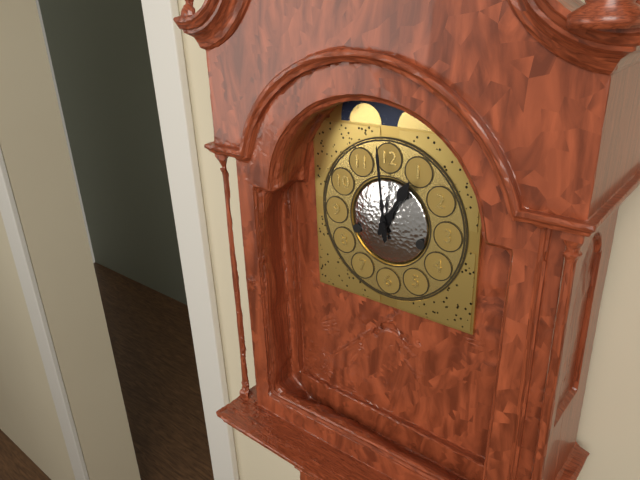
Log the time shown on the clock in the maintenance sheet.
12:59
